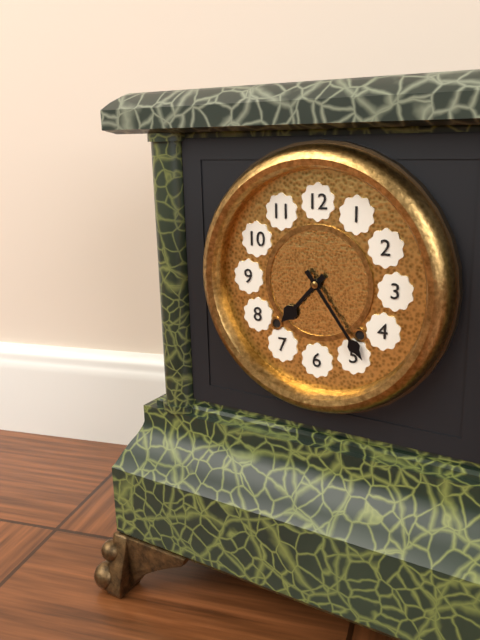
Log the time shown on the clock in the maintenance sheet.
7:24
